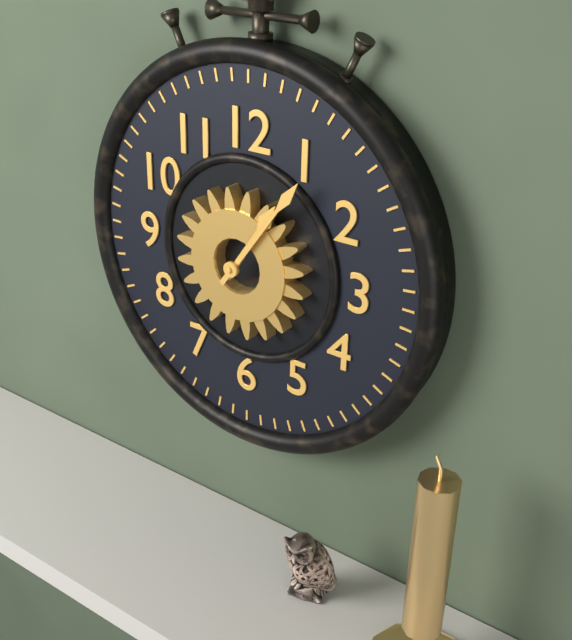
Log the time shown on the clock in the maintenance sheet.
1:06
